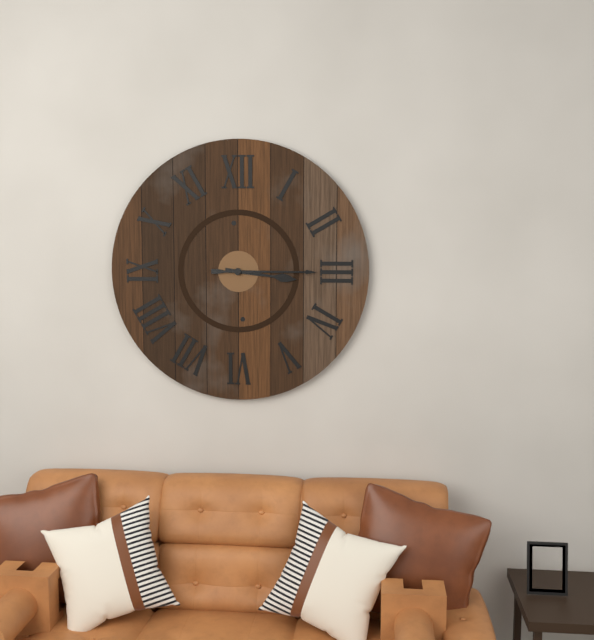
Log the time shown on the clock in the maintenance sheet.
3:15
